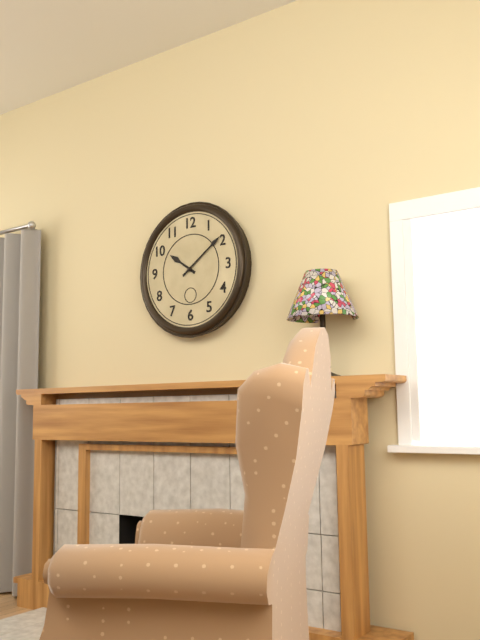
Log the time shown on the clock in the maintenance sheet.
10:09
